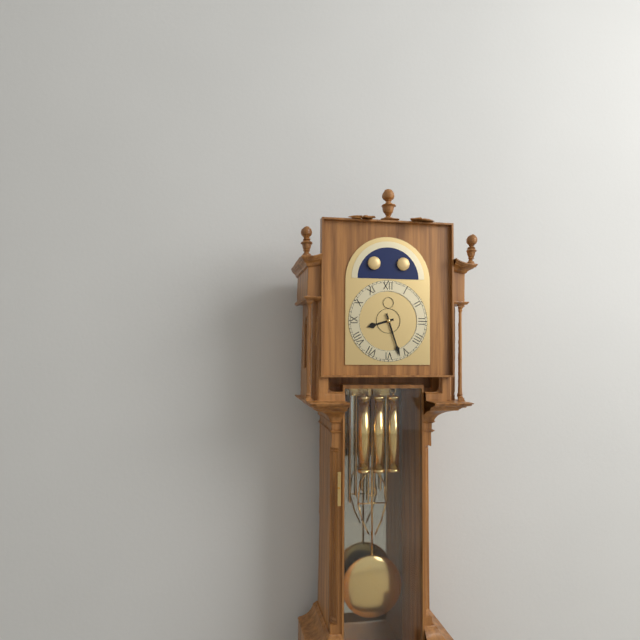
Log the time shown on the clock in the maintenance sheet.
8:27
